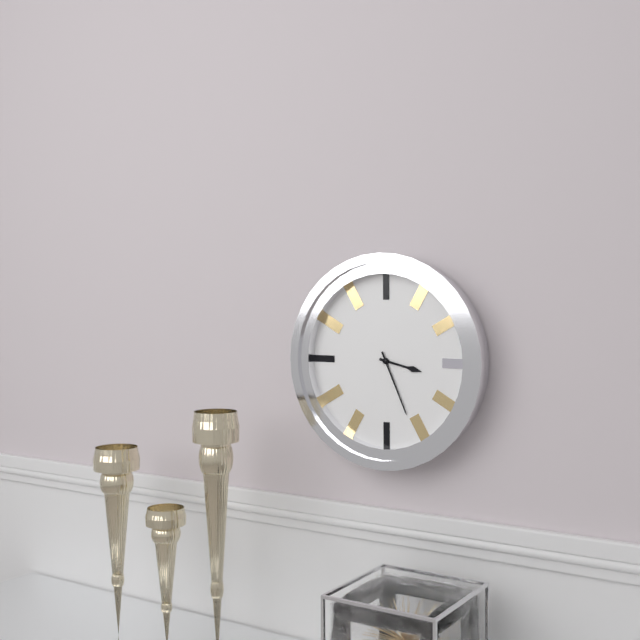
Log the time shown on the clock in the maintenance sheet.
3:26
